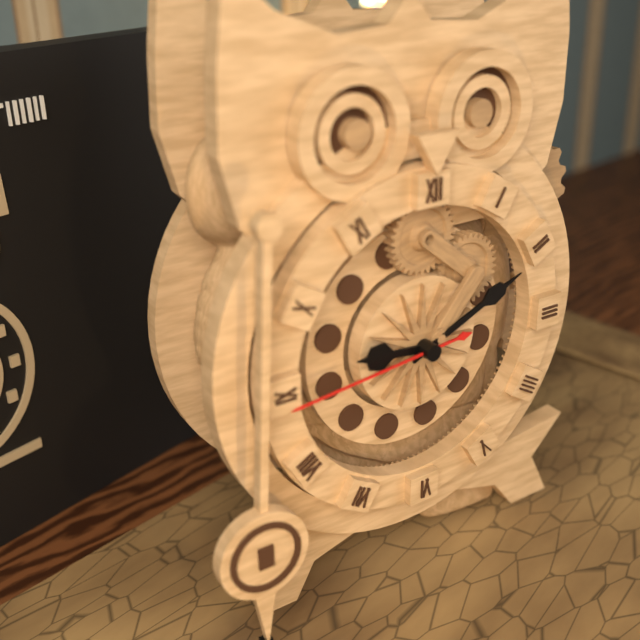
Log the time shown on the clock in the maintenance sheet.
9:11:44
